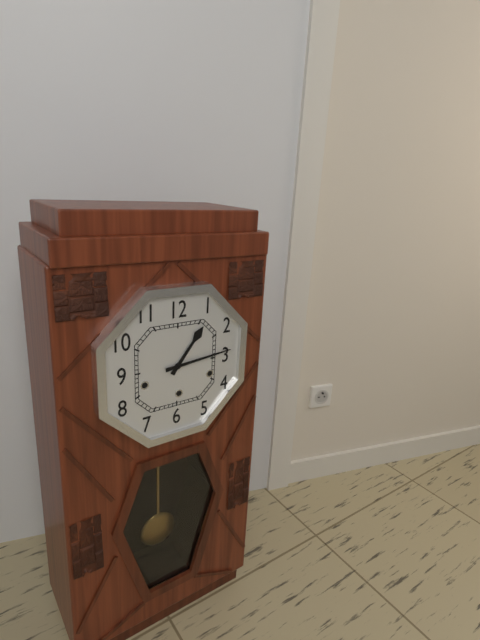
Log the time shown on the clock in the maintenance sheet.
1:14
